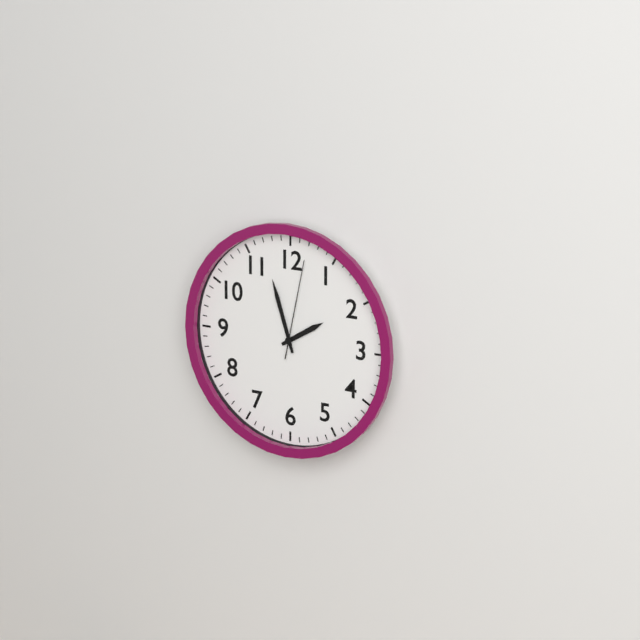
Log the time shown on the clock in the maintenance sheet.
1:57:02
